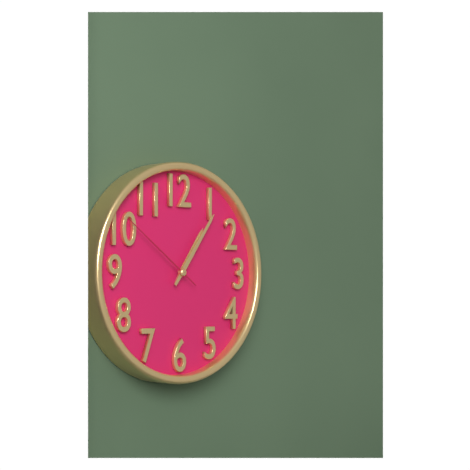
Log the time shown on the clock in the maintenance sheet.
1:06:51
